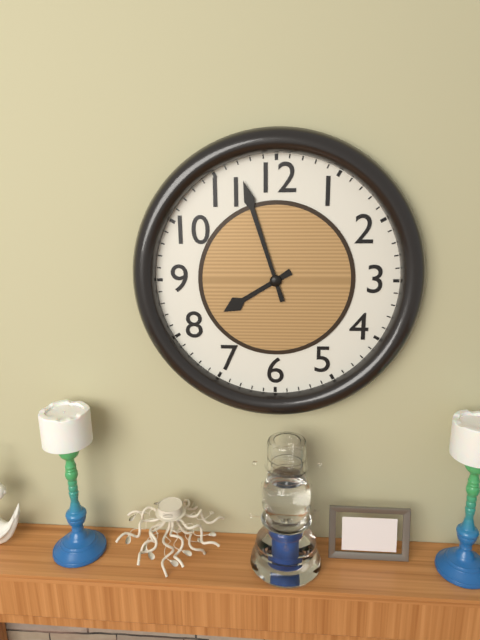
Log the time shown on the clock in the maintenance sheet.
7:57
